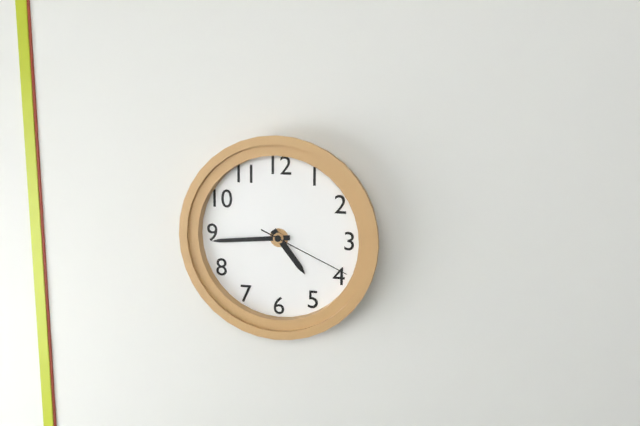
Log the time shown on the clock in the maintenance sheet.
4:44:19
